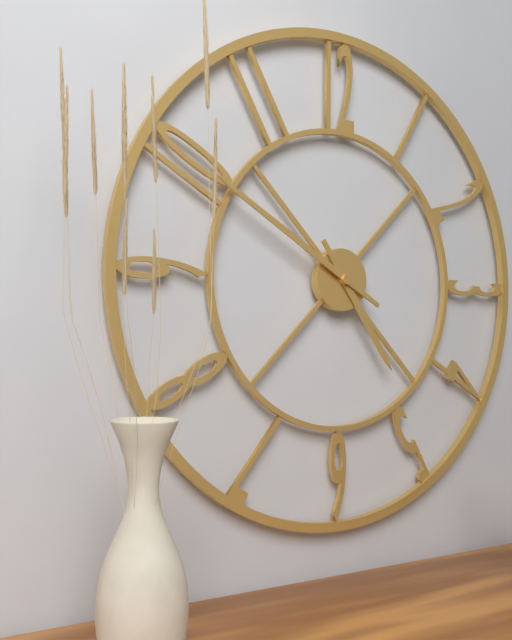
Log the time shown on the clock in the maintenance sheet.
4:50
